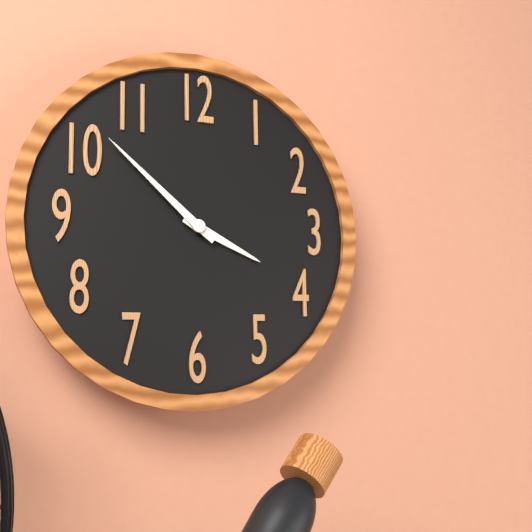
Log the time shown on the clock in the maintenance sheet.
3:52
